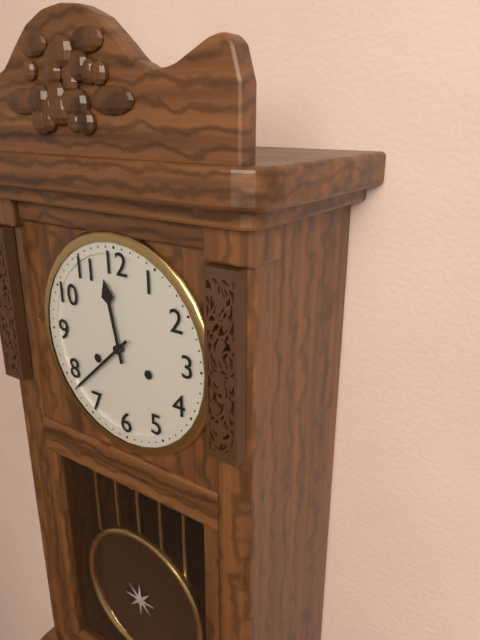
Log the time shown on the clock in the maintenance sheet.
11:38
